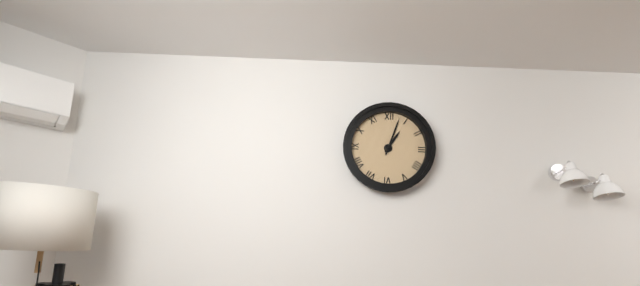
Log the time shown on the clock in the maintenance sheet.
1:03
